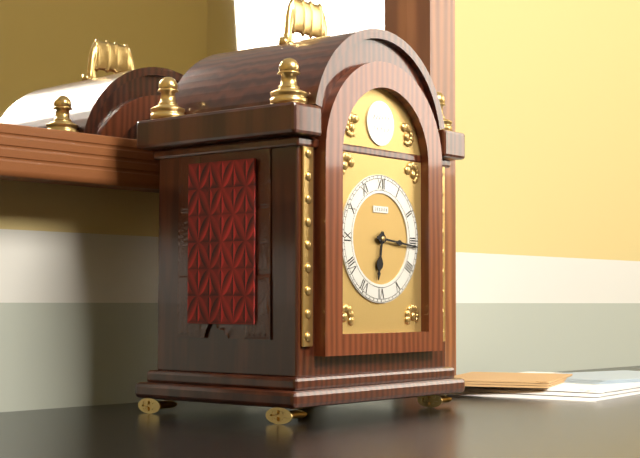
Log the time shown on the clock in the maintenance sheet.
6:16
